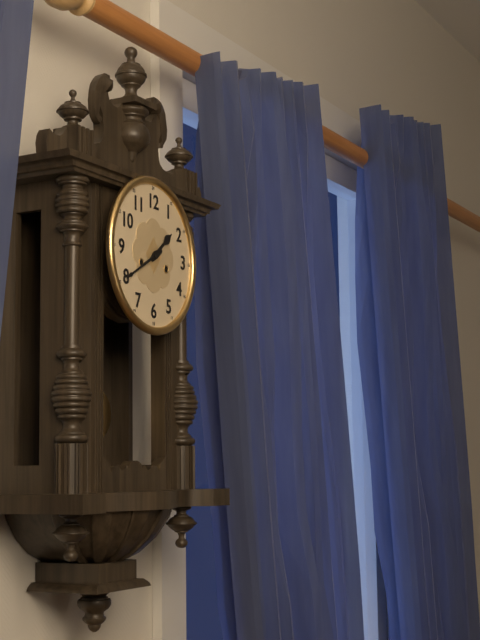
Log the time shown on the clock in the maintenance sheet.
1:40
